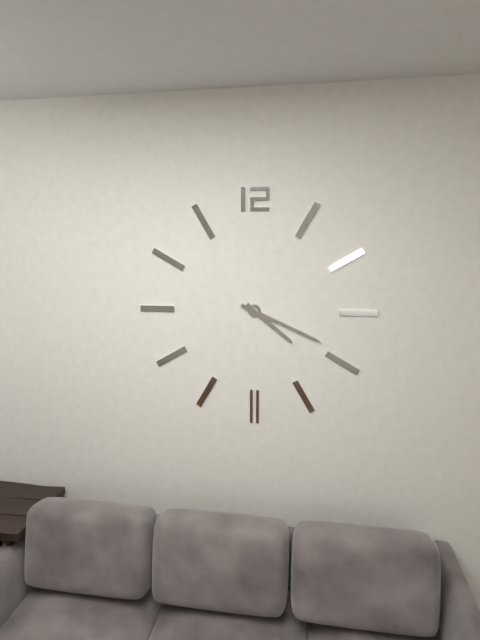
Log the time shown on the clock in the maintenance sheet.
4:19
